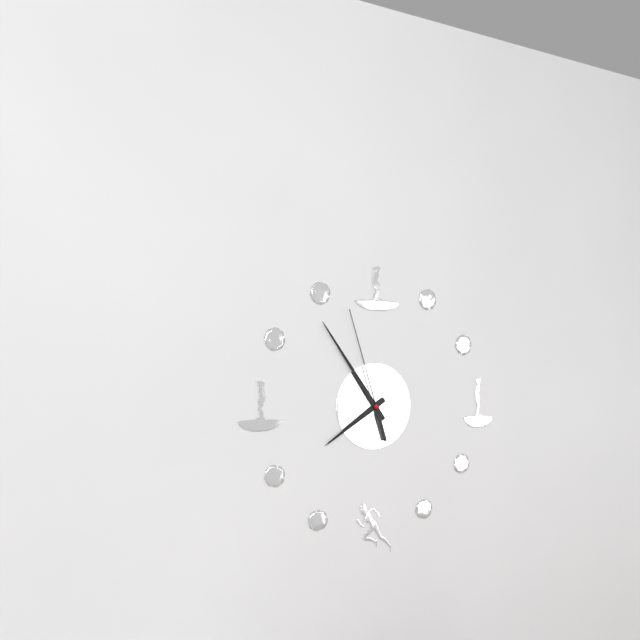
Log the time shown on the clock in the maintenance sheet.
7:54:57
